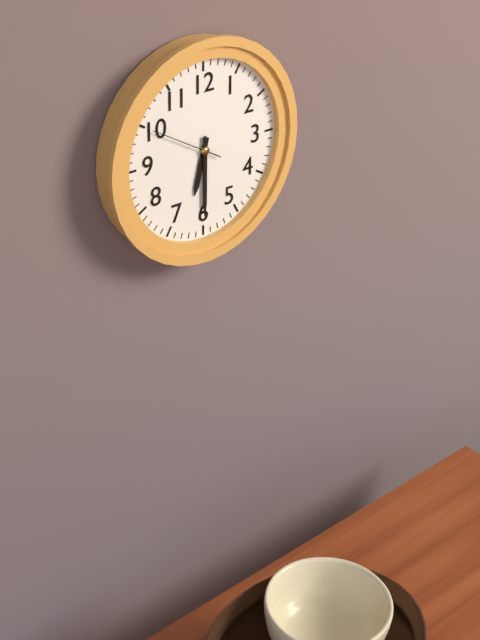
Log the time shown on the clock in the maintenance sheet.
6:30:50
